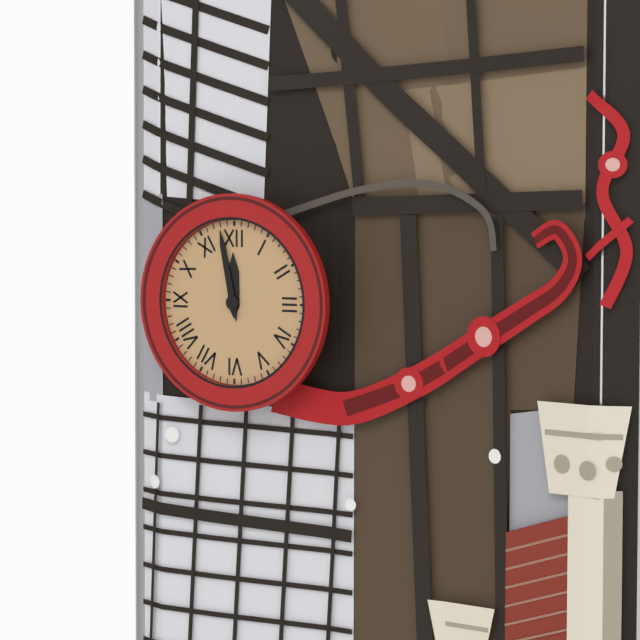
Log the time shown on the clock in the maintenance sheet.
11:58
